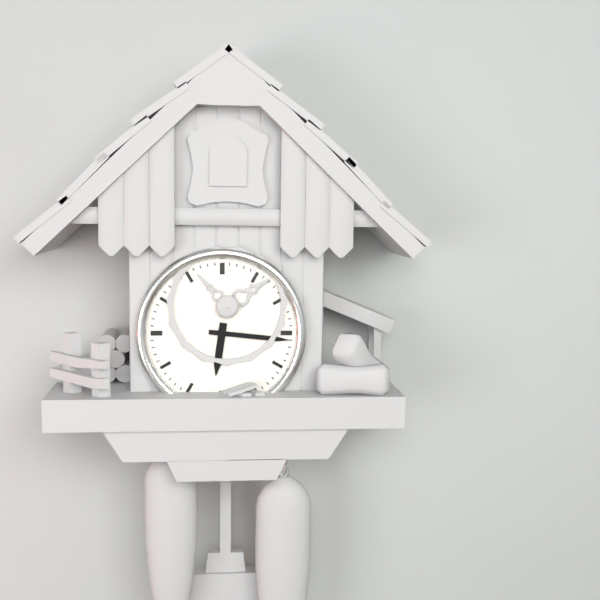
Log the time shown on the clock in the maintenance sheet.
6:16
